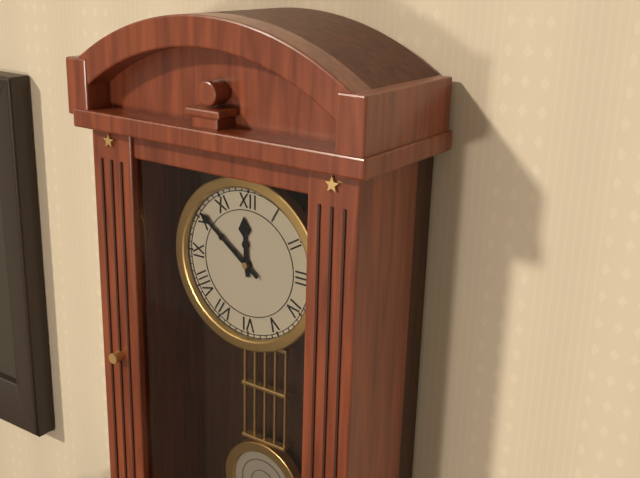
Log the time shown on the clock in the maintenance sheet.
11:51
